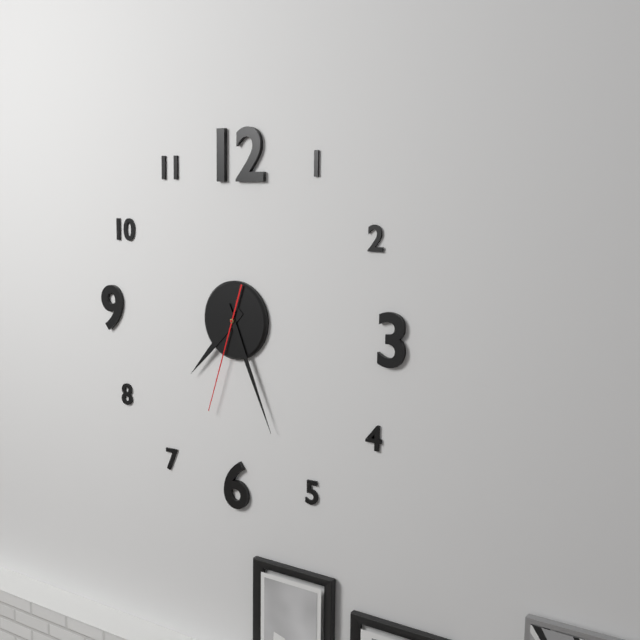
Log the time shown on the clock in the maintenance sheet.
7:26:33
